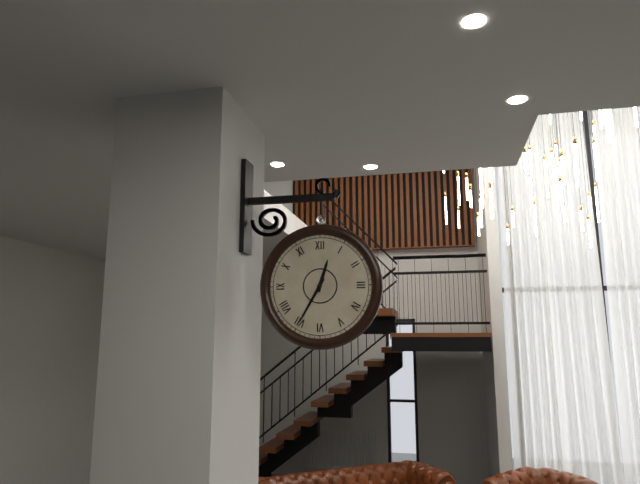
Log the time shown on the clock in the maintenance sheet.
12:35
